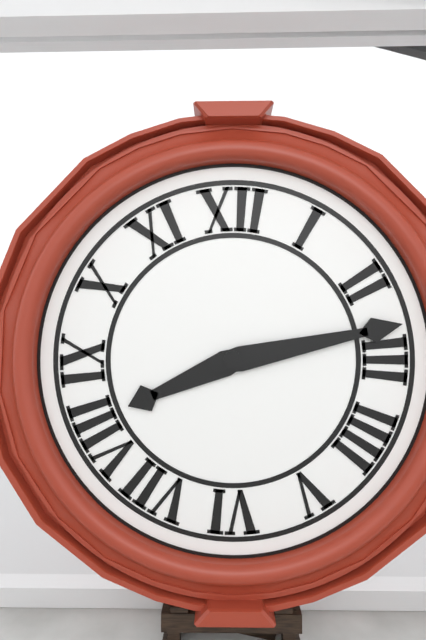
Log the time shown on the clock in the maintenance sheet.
8:13
